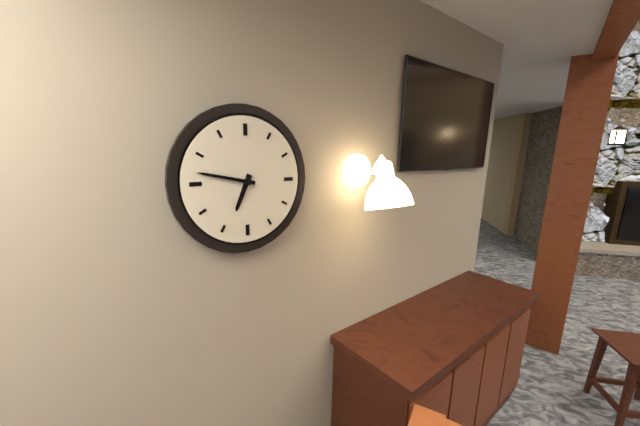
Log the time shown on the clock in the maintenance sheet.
6:47
